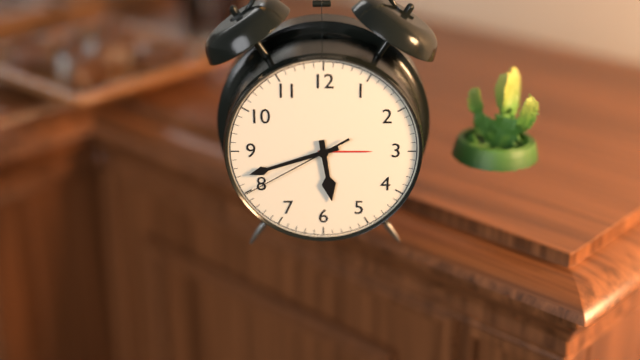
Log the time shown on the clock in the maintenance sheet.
5:42:40
